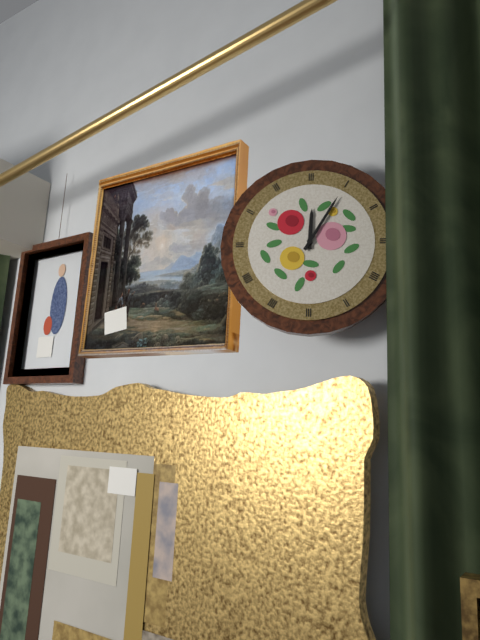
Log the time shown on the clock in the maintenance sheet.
12:05
